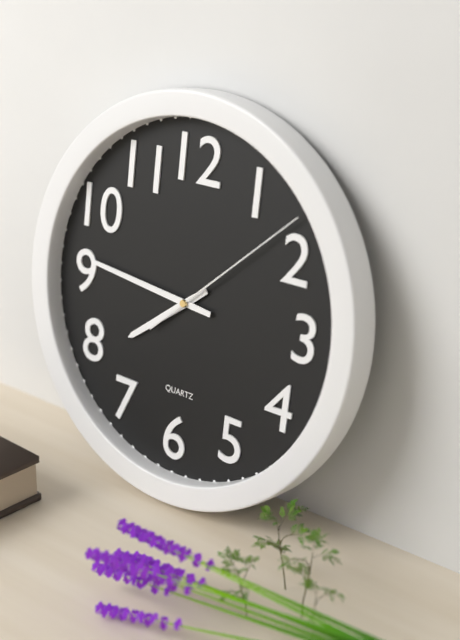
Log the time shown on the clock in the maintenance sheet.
7:46:08
